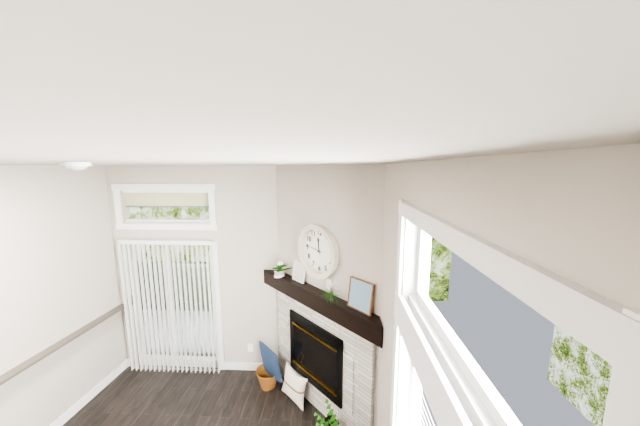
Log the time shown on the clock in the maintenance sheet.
11:46
